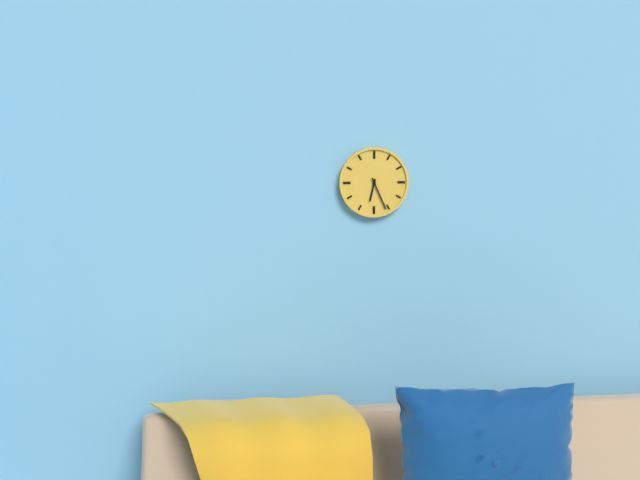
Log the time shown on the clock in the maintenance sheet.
6:26
